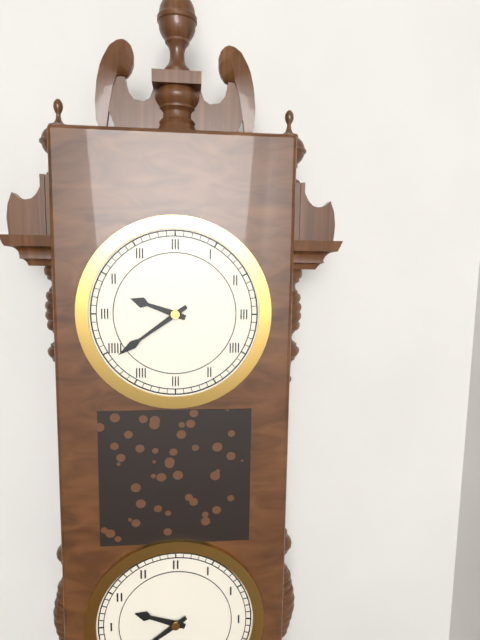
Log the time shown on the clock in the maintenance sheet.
9:39
